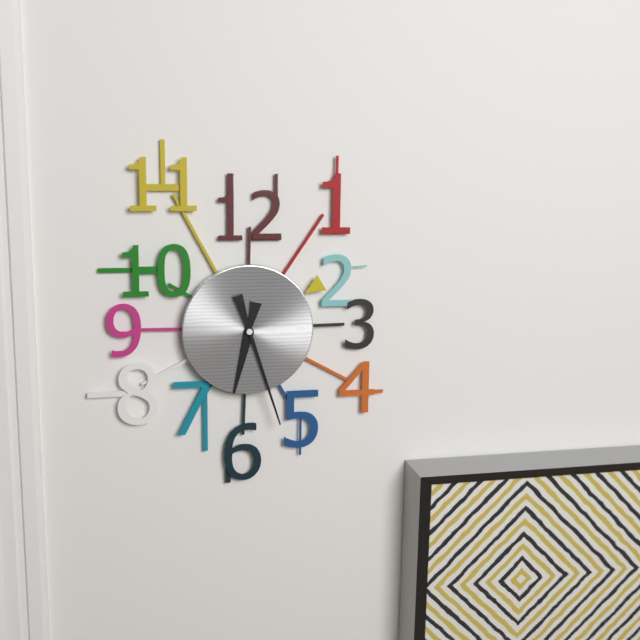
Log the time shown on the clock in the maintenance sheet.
6:27
